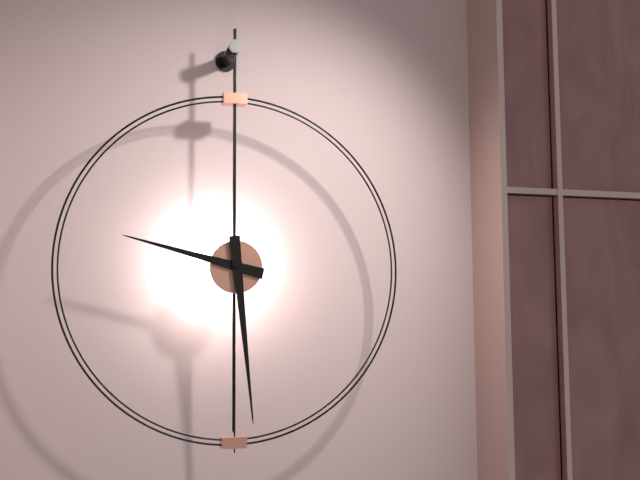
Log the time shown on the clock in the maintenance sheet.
9:29
